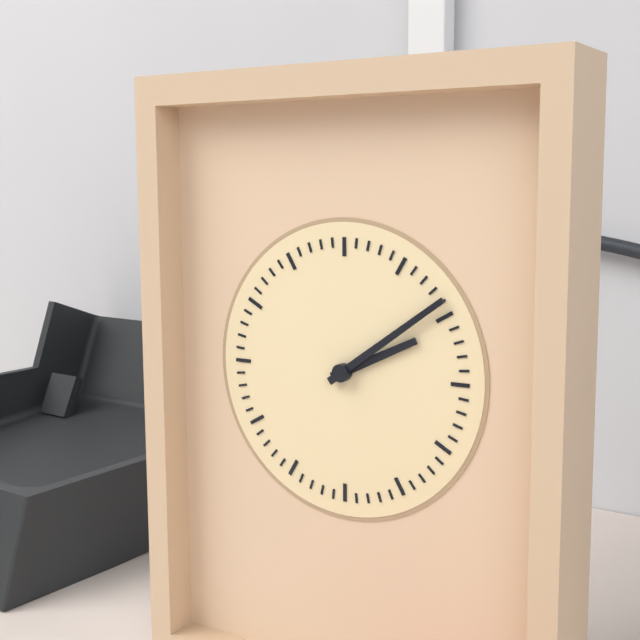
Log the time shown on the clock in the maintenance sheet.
2:09
